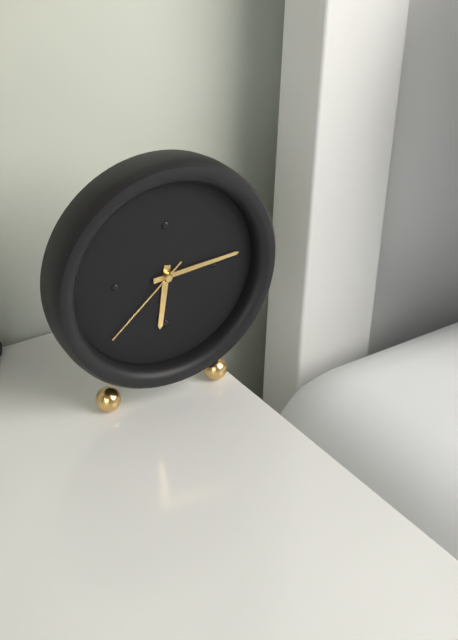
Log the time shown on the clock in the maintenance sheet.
6:14:38
